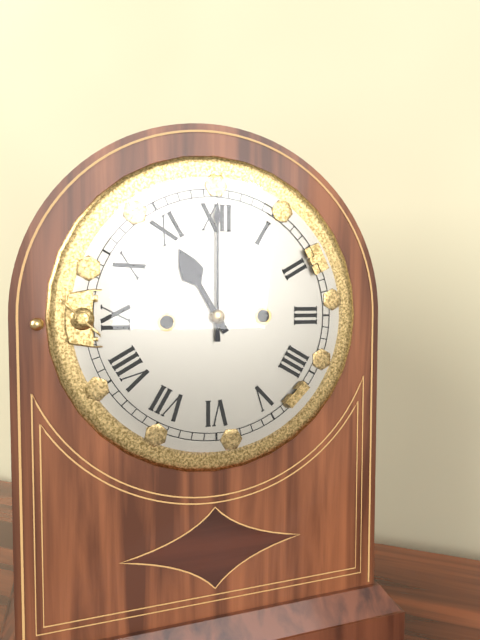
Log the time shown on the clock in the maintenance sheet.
11:00
